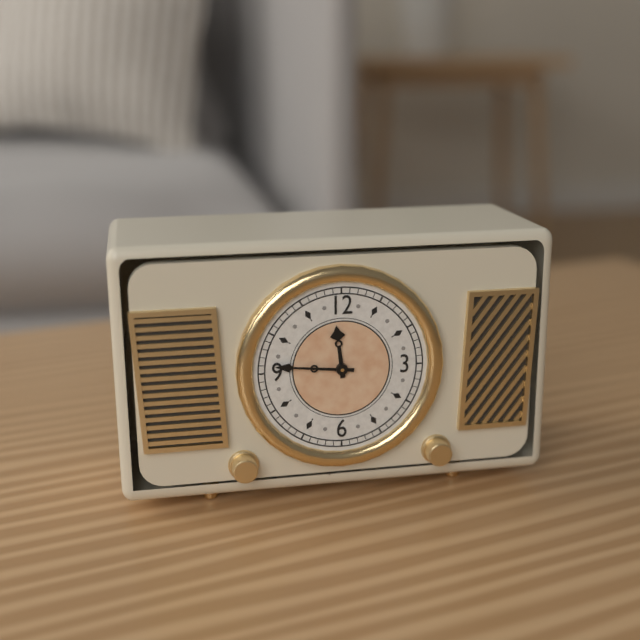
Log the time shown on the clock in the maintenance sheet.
11:46
